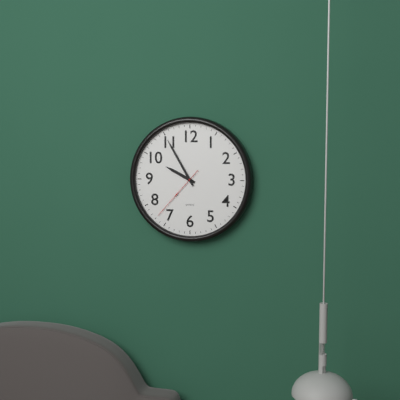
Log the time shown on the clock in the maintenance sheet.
9:55:37
